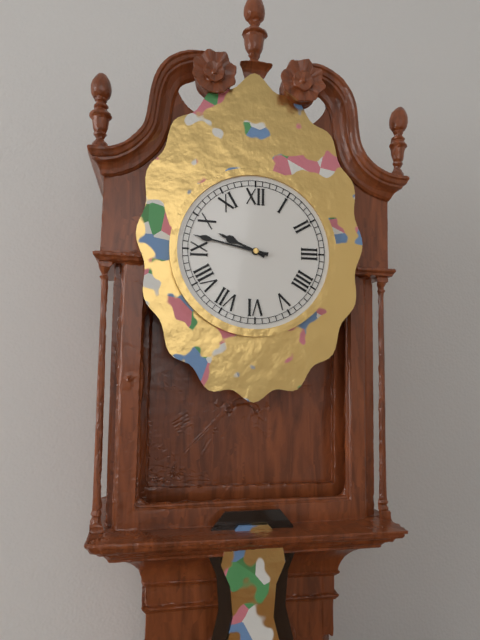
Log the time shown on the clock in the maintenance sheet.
9:47
